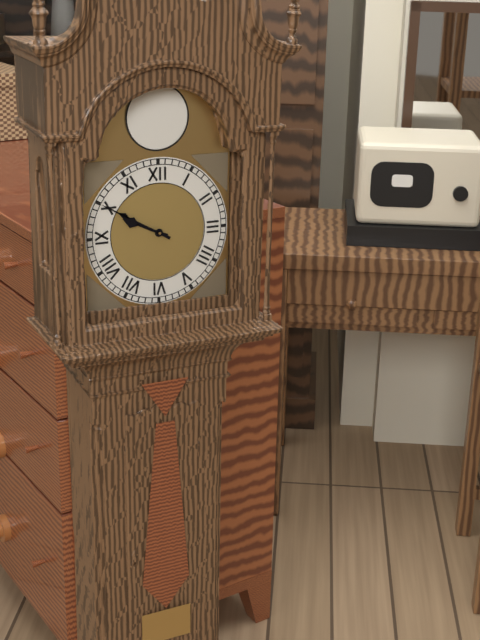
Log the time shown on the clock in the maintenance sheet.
9:50
